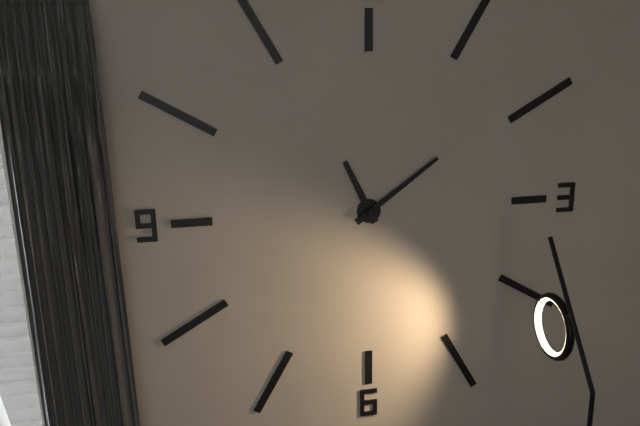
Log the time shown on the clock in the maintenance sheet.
11:09
